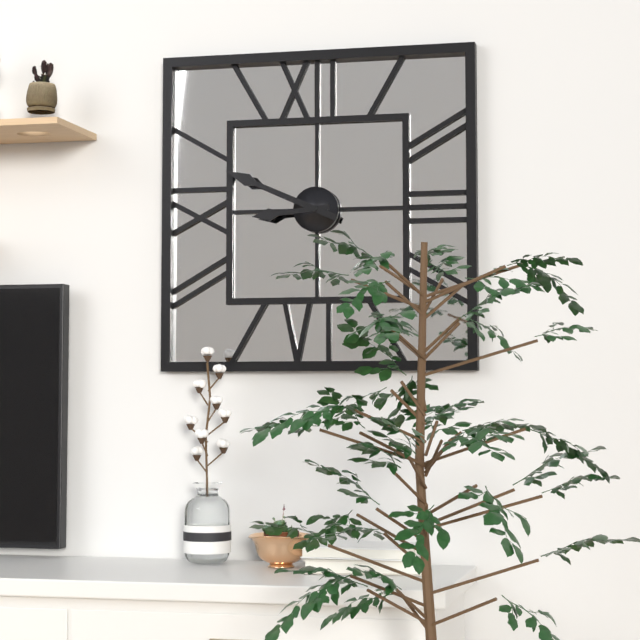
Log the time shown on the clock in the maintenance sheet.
8:49
